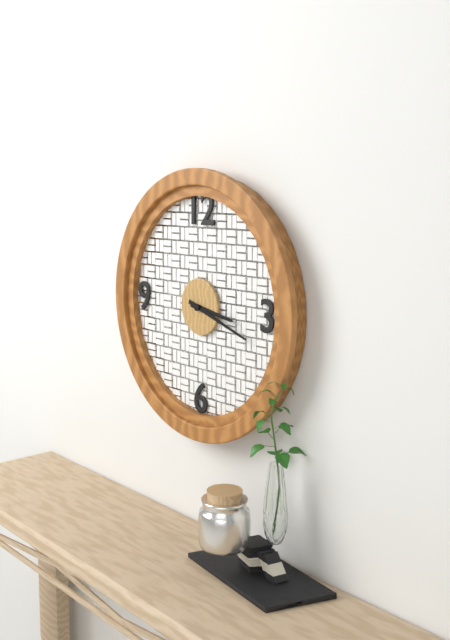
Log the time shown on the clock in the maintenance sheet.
3:18
